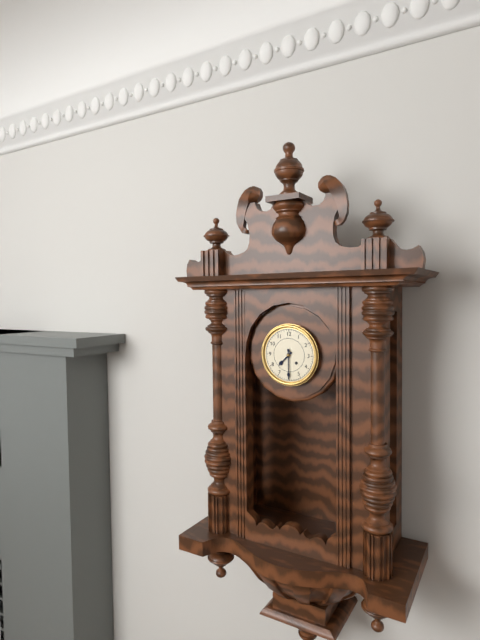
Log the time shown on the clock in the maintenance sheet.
7:30
